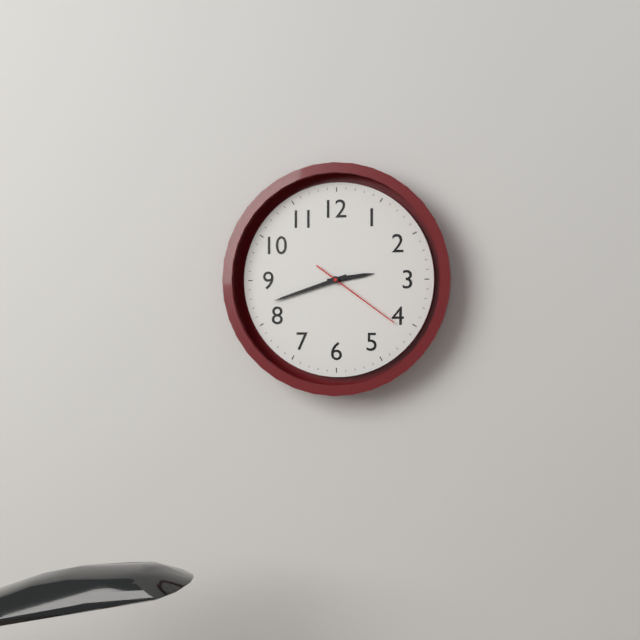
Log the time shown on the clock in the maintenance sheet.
2:42:21
